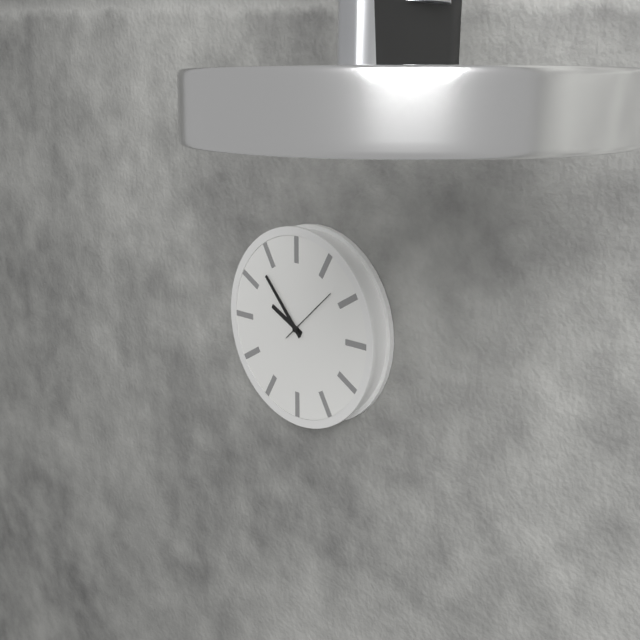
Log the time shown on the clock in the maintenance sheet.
9:53
